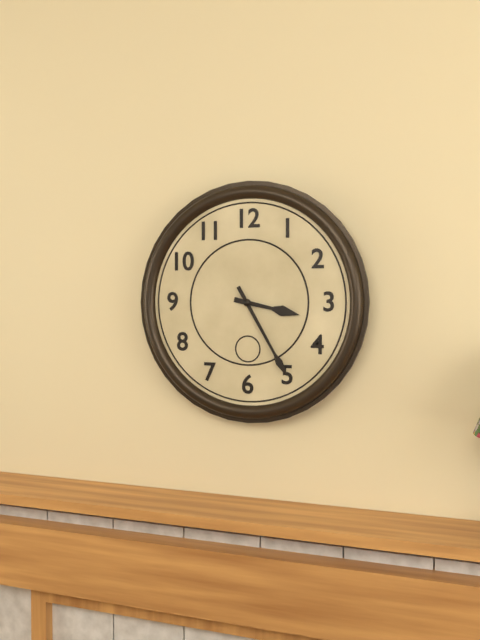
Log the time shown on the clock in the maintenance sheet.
3:25
